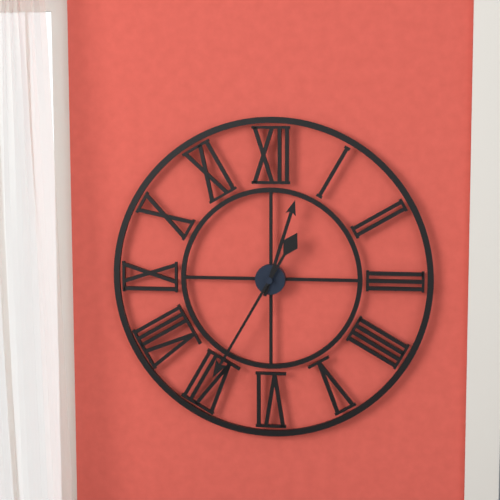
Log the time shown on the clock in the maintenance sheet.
12:35
